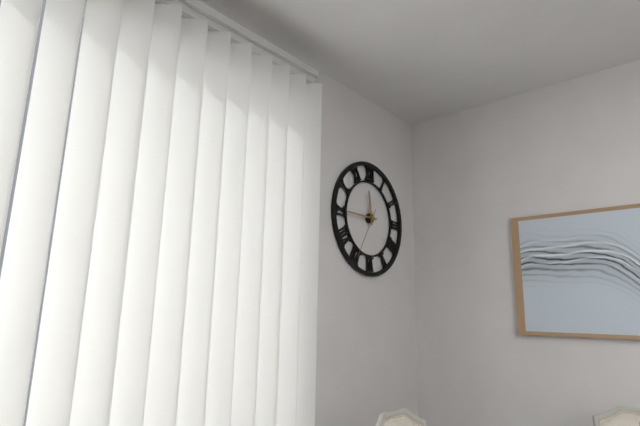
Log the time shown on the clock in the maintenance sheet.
11:45:35
